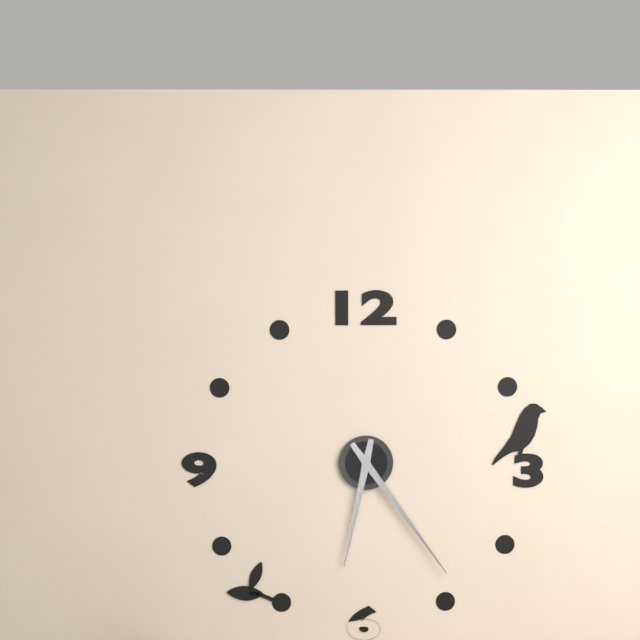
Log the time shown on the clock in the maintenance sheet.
6:24
